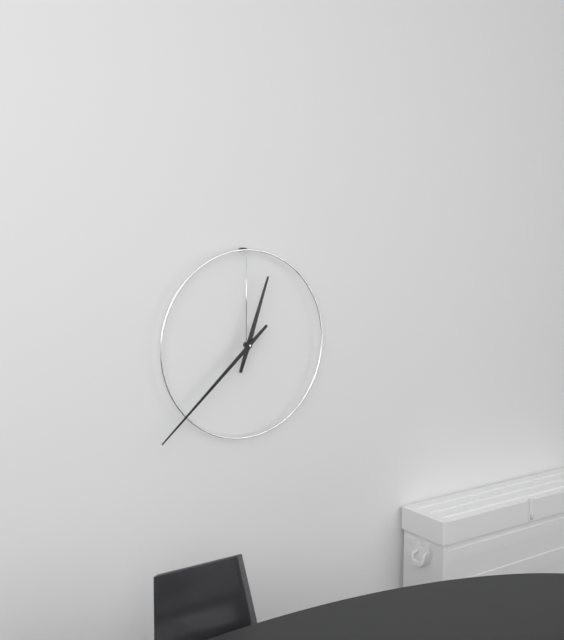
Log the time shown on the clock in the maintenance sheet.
12:38
